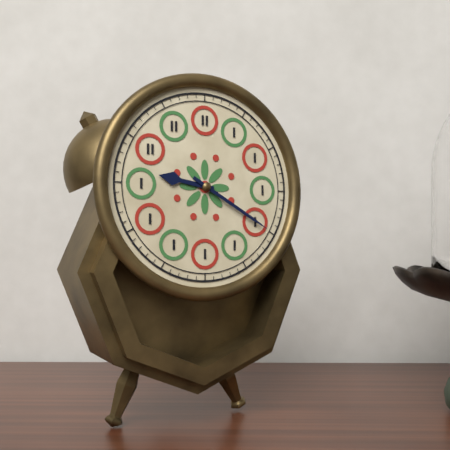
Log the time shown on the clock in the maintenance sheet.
9:20
